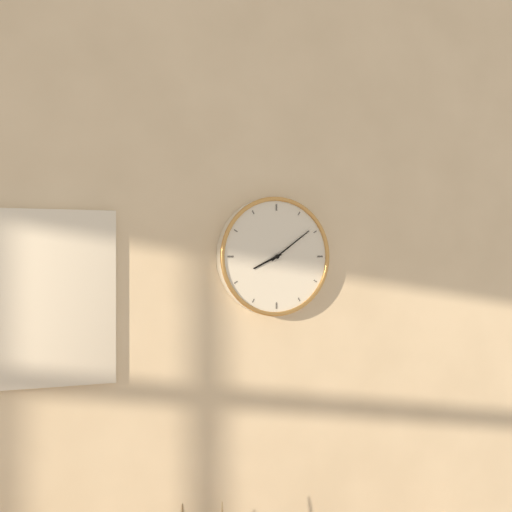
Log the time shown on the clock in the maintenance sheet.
8:09
